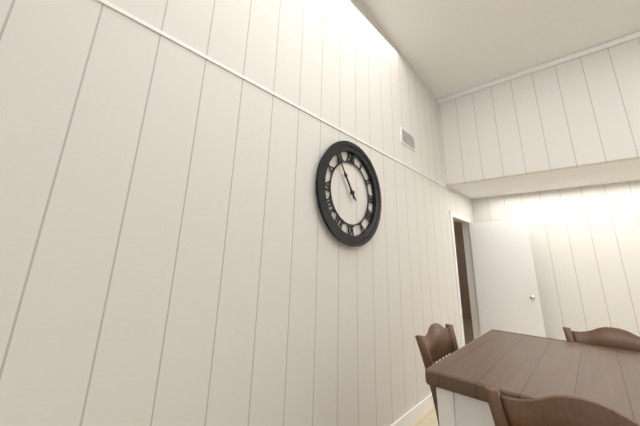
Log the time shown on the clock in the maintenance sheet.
10:54
